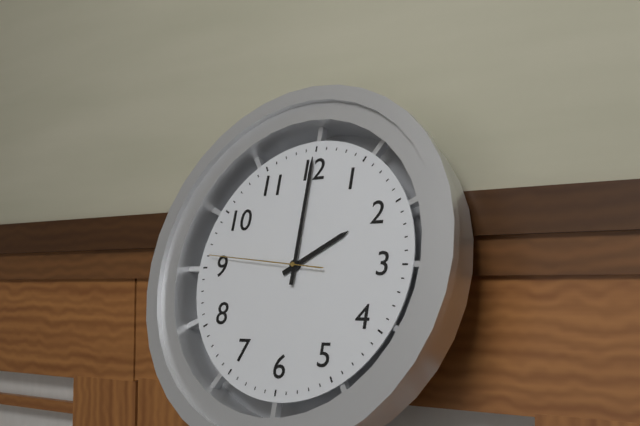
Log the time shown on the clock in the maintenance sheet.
2:00:46
